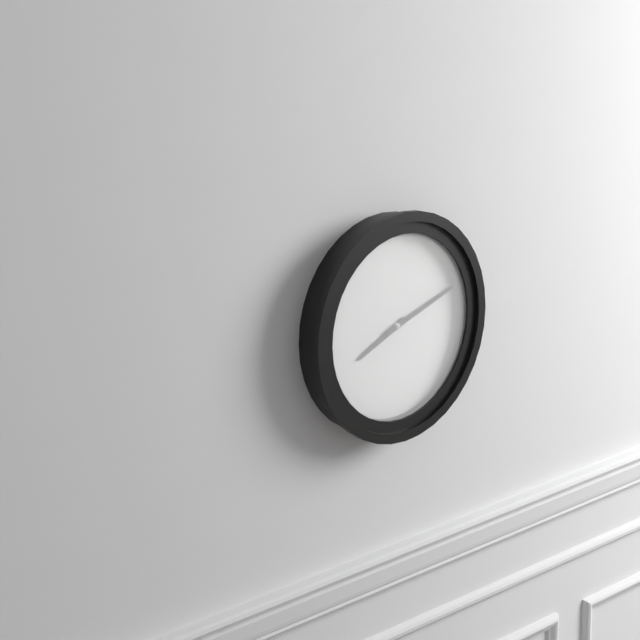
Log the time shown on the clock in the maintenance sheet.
8:12
